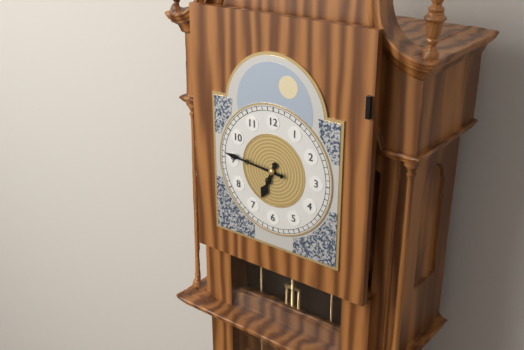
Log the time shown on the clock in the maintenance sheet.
6:46
